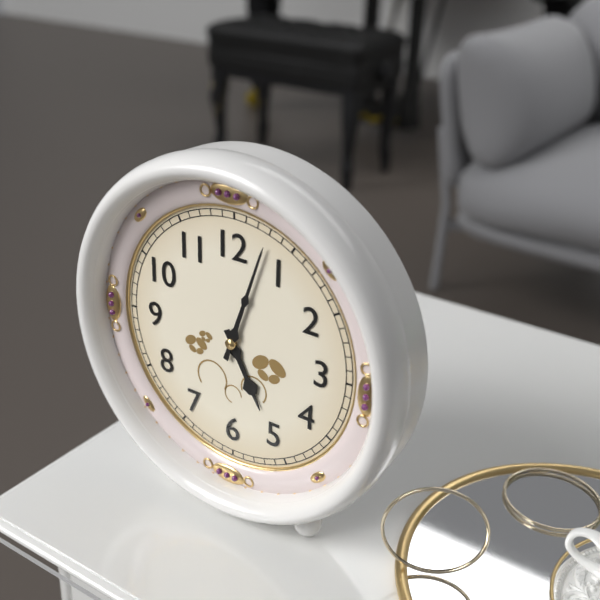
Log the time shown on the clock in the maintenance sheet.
5:03
